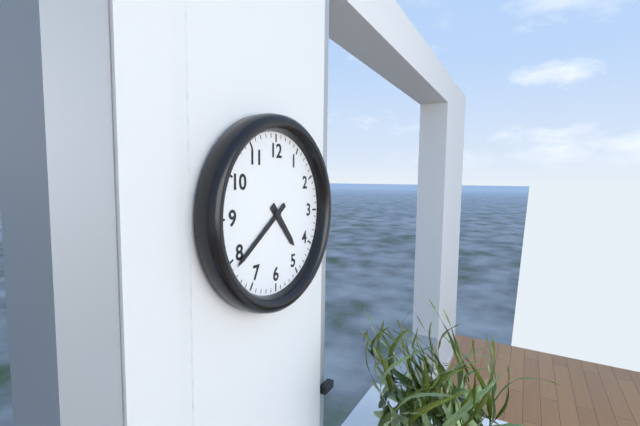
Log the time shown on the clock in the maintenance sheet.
4:39
